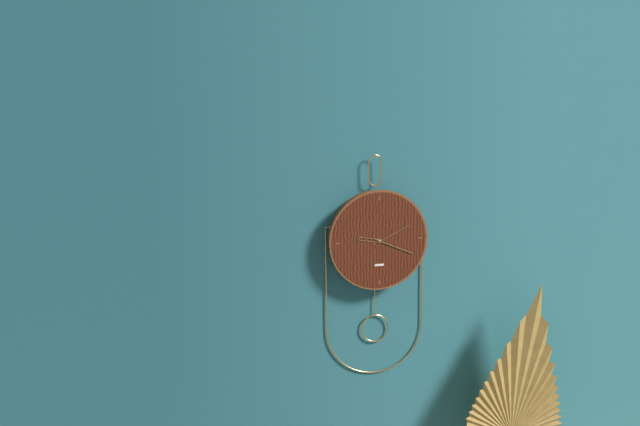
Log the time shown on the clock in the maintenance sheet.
9:19
